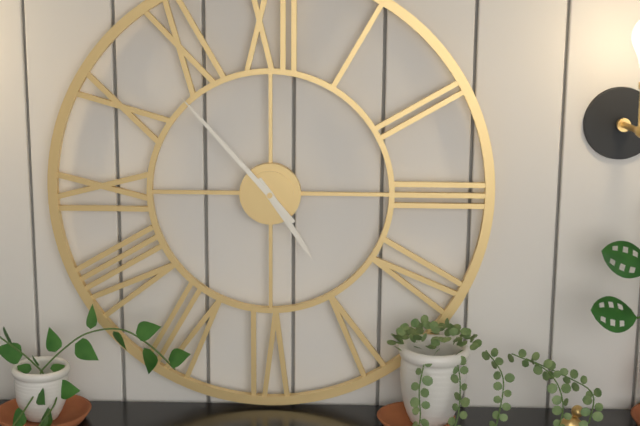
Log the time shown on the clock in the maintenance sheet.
4:53
